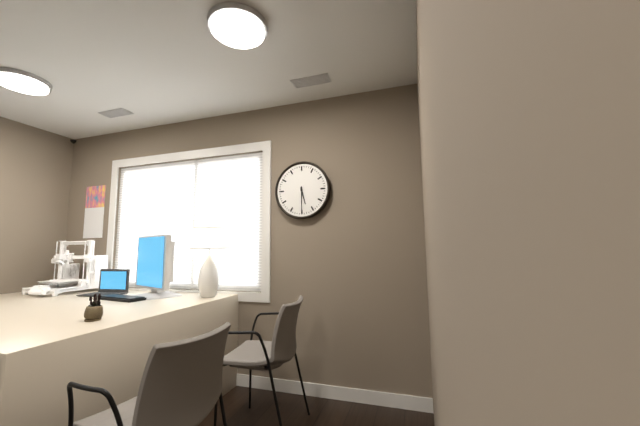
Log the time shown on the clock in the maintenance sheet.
5:30
